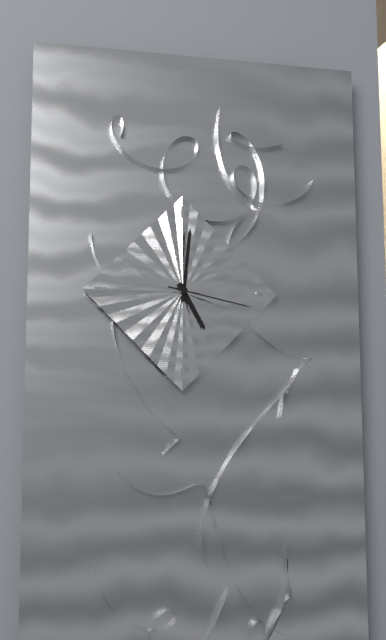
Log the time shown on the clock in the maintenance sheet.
5:01:17
